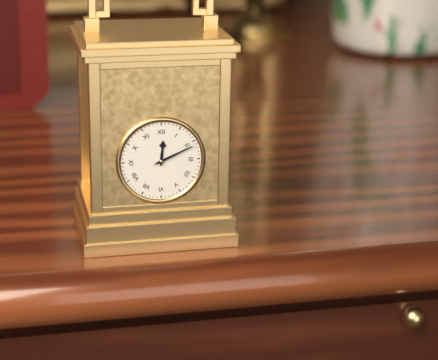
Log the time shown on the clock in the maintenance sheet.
12:11
